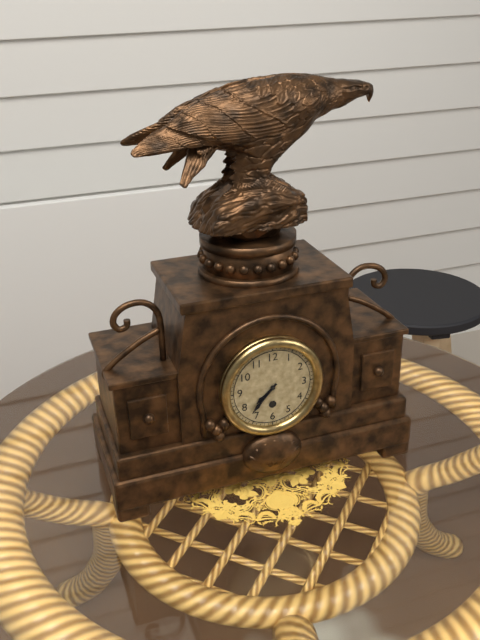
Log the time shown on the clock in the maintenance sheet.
7:37
